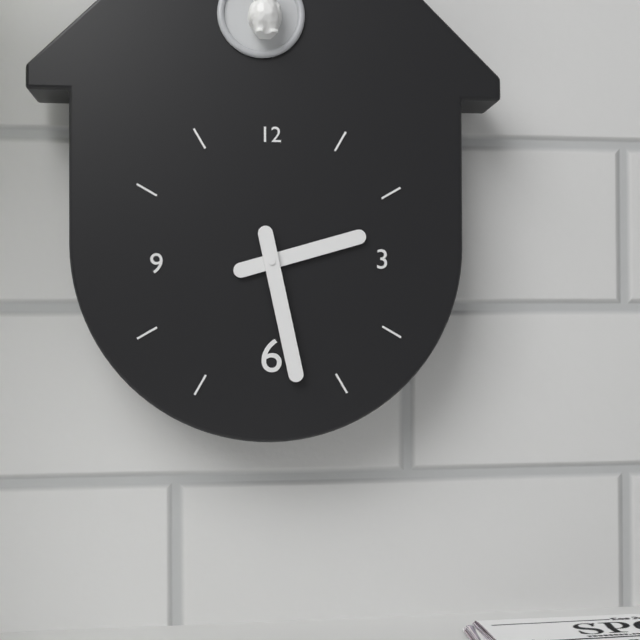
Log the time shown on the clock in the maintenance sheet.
2:28
